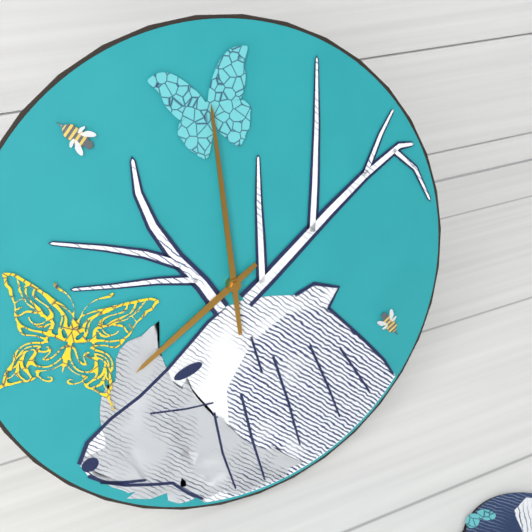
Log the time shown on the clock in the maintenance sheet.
8:00
